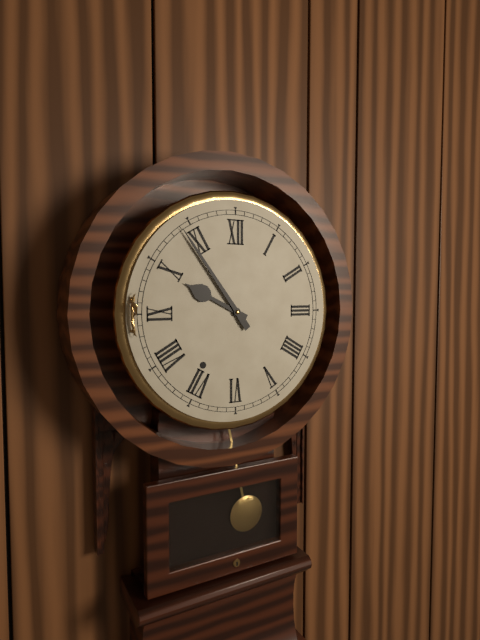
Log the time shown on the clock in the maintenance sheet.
9:54
